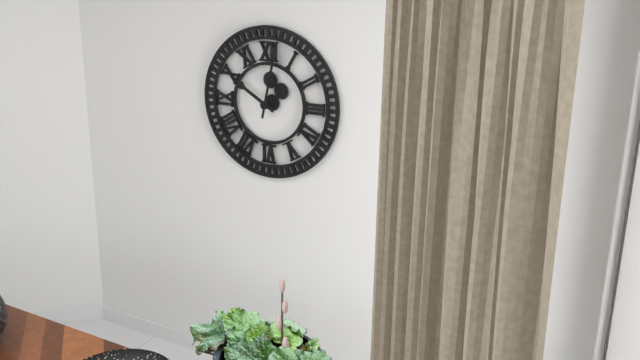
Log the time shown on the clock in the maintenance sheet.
10:02
